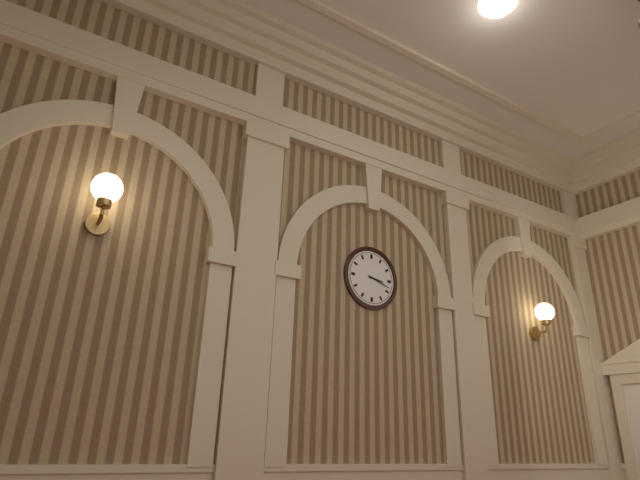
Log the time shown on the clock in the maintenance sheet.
3:18
